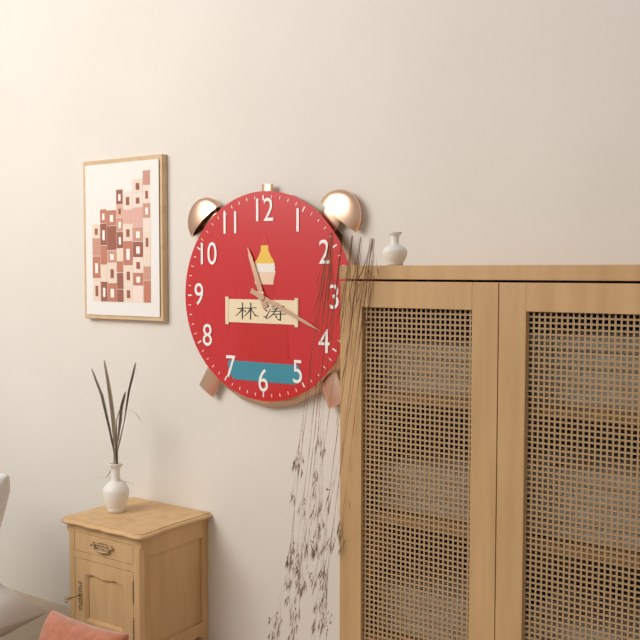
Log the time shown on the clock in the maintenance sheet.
11:19
